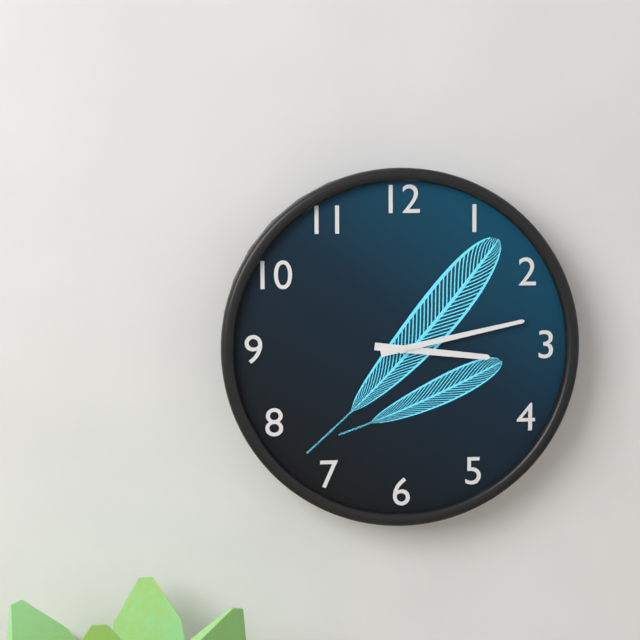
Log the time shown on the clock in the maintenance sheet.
3:13
